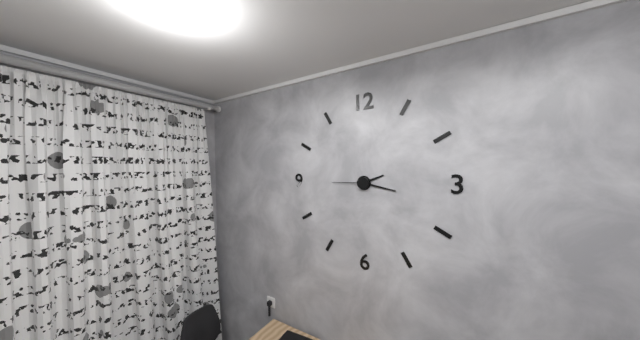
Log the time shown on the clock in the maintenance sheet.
2:17
